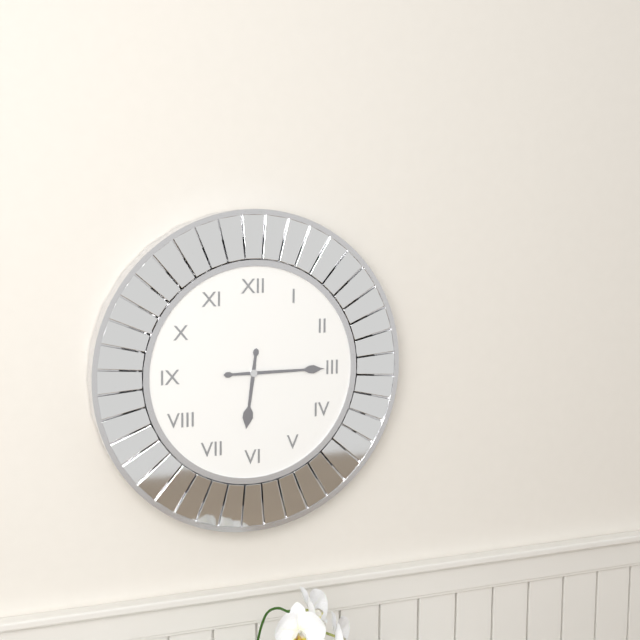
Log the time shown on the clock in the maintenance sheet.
6:15
